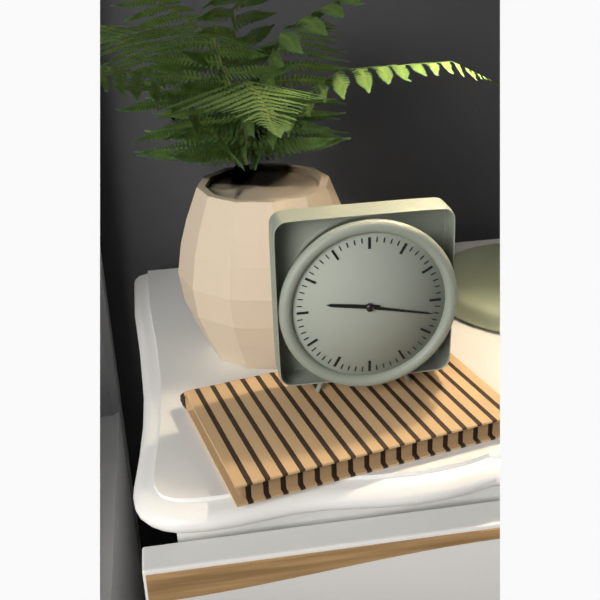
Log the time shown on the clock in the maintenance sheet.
9:17
